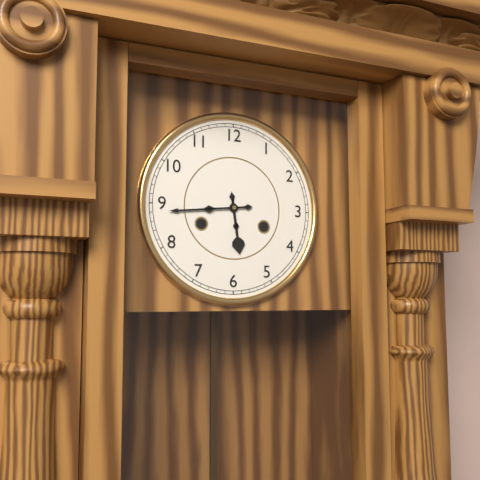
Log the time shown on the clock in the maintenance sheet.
5:44
